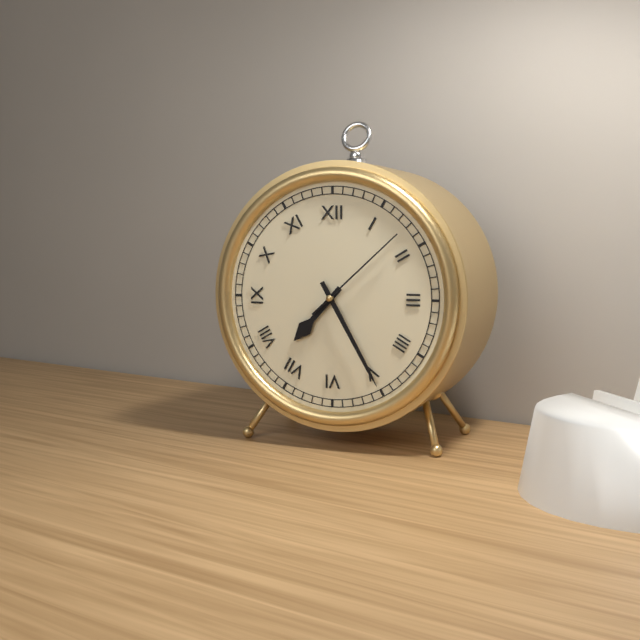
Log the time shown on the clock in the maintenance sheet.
7:25:08
